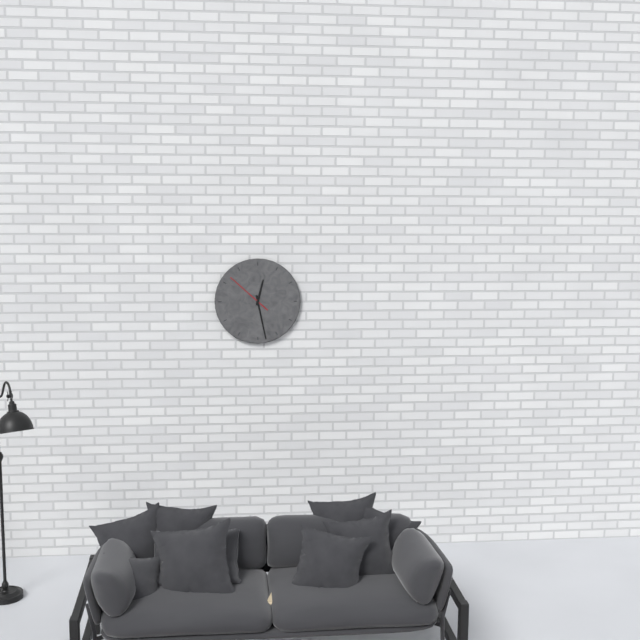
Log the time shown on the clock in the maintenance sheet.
12:28
